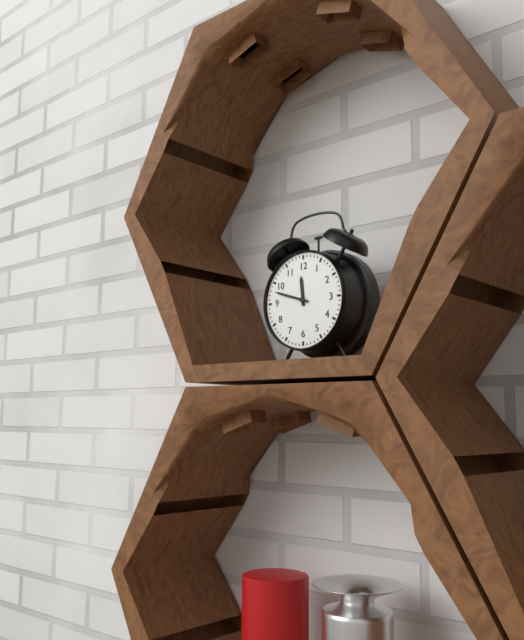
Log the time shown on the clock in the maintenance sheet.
11:48
